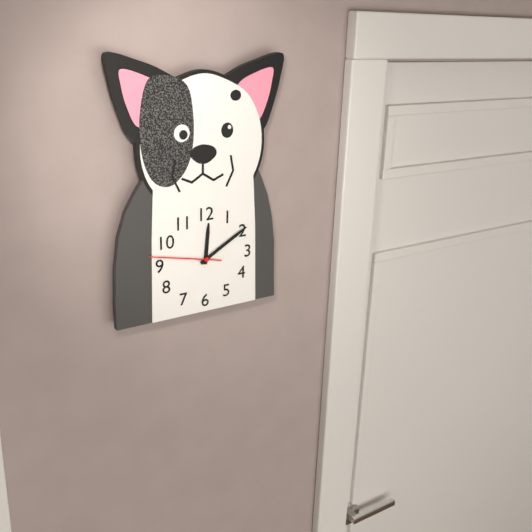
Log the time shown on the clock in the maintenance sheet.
12:10:47
